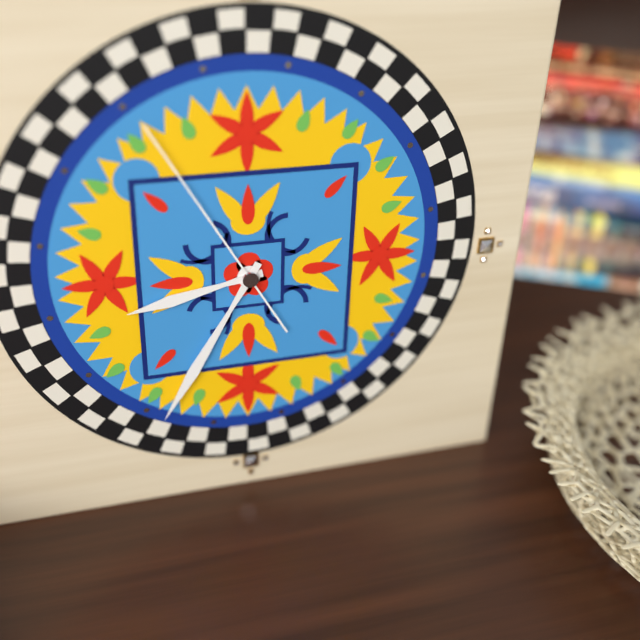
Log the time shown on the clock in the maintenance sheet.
8:35:55
